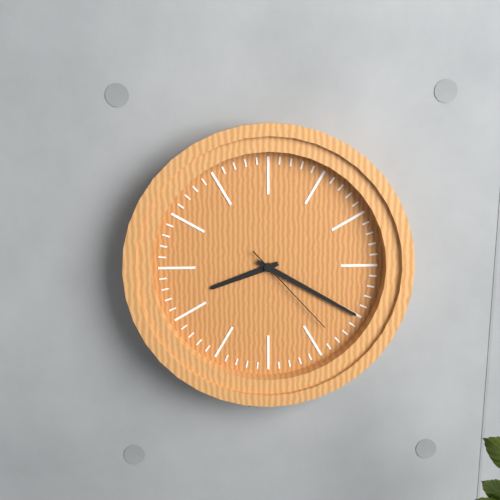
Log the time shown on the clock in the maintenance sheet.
8:20:23
